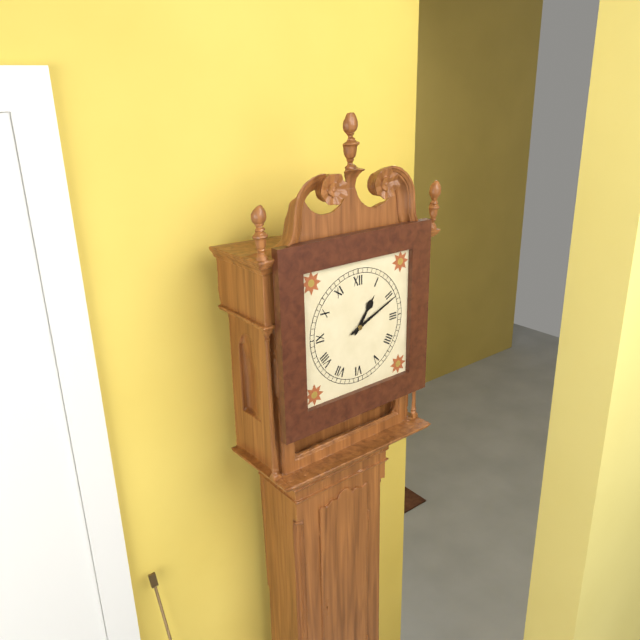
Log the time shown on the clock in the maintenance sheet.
1:11
